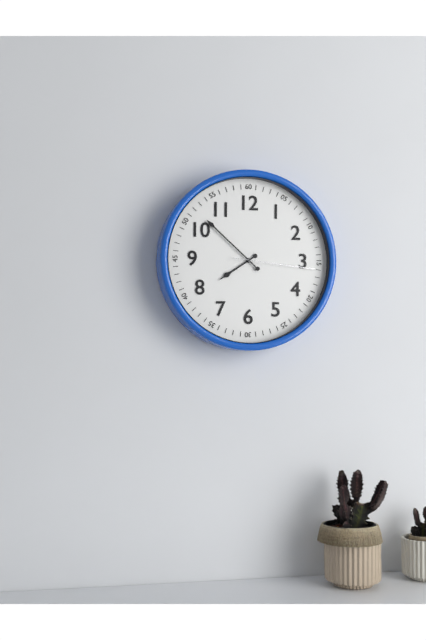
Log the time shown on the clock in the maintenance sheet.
7:52:16
